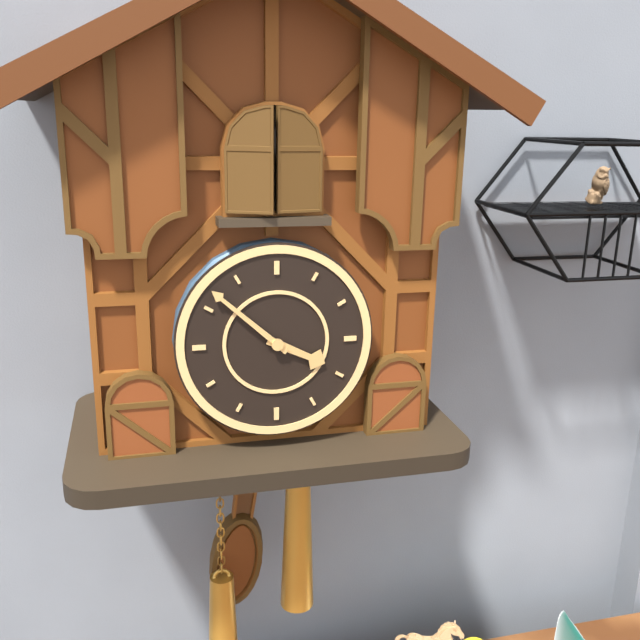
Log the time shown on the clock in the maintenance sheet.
3:52
